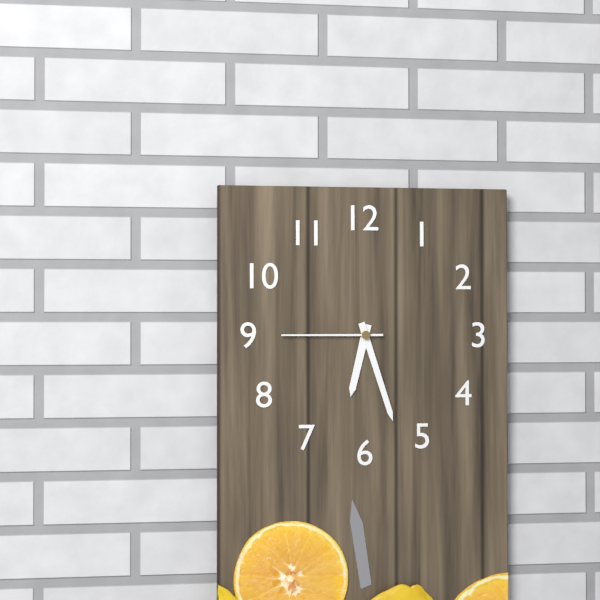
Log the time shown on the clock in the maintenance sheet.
6:27:45
